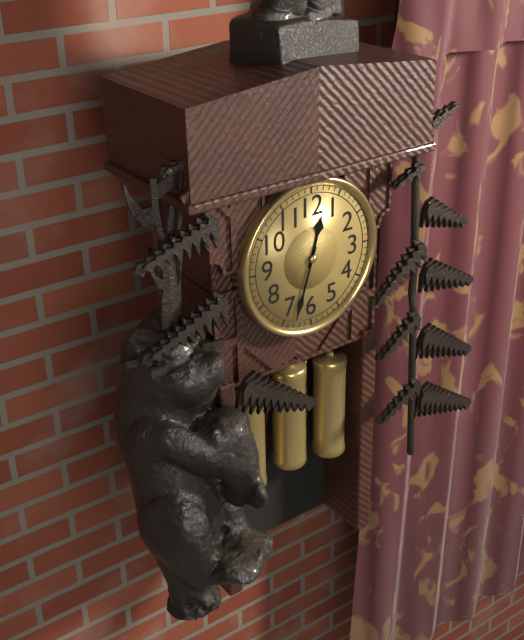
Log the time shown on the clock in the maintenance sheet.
12:33
